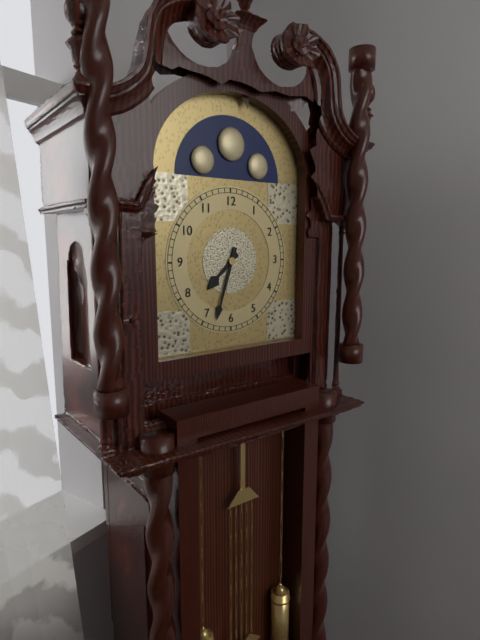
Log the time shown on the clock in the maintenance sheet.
7:33
